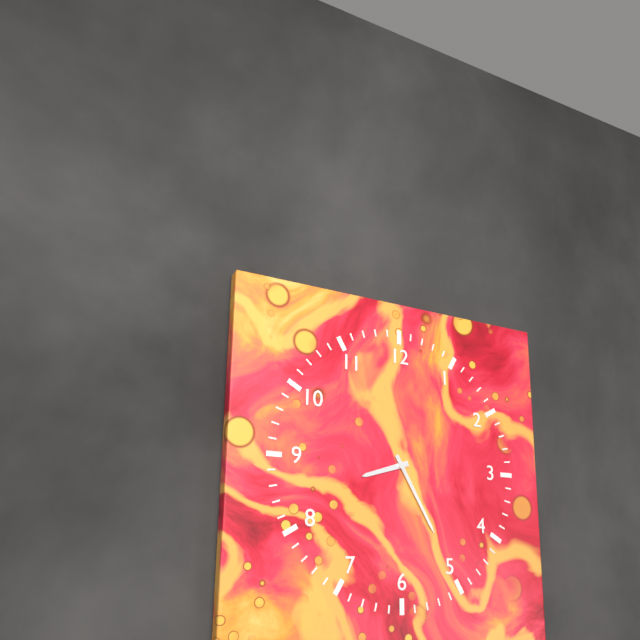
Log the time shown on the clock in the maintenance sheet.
8:25
